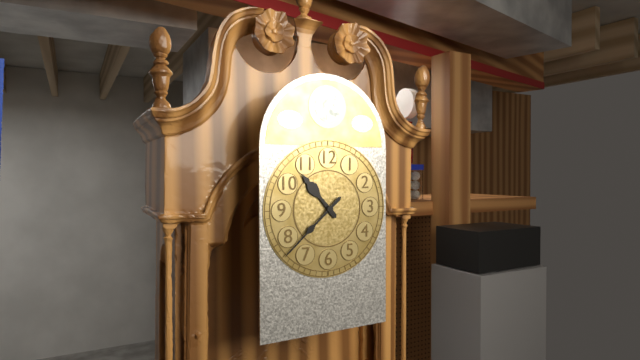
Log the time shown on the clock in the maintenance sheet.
10:38
